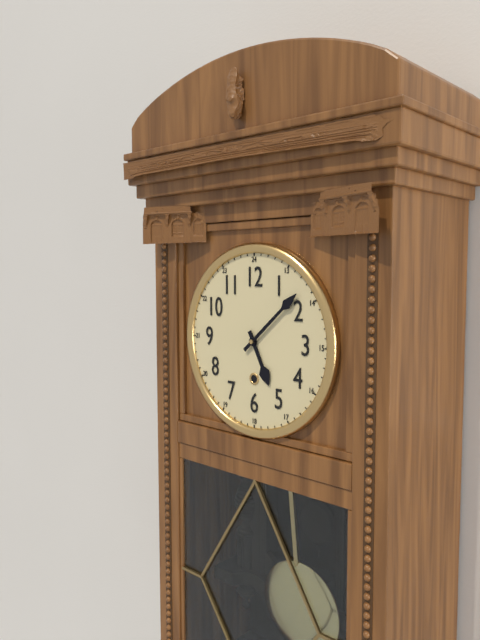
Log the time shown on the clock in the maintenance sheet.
5:08
